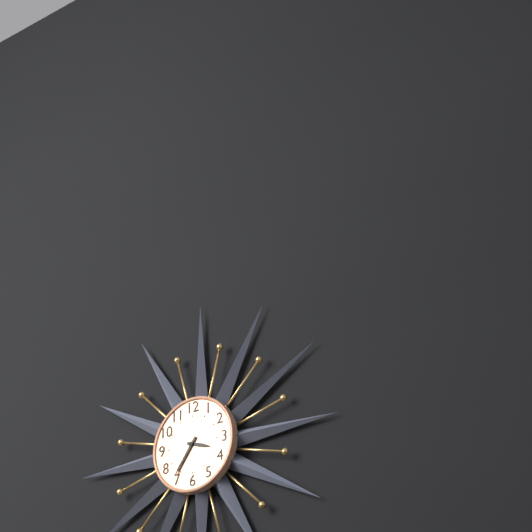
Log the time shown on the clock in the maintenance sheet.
3:36
